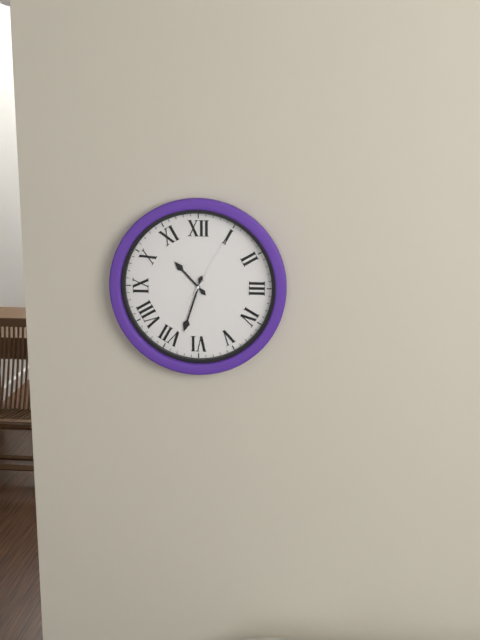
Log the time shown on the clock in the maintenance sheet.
10:33:05
